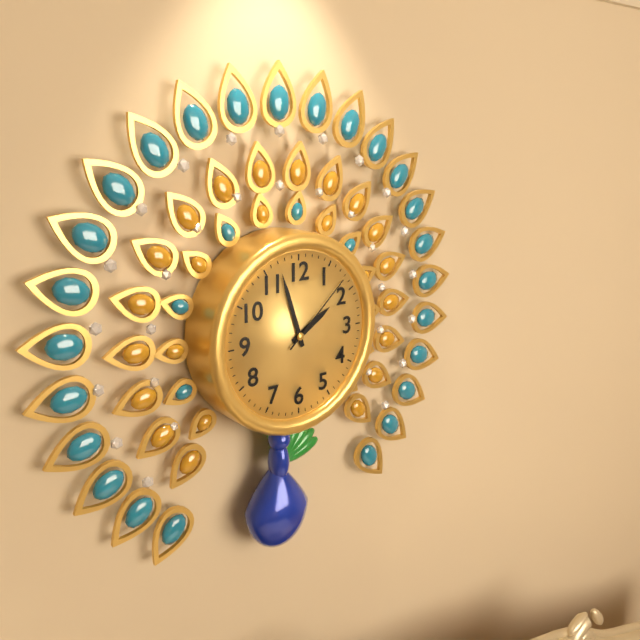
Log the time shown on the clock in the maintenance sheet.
1:57:08
